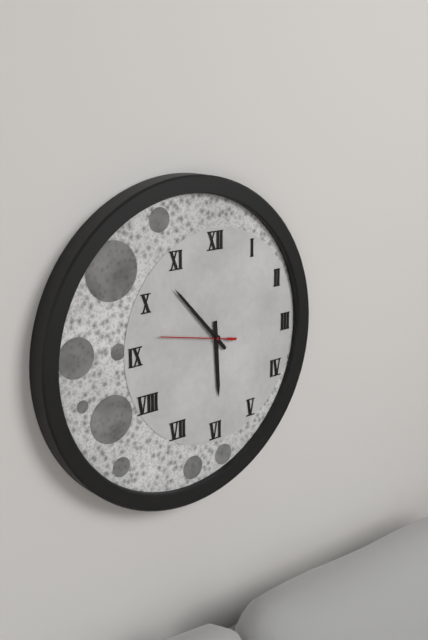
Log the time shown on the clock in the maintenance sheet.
5:53:47
